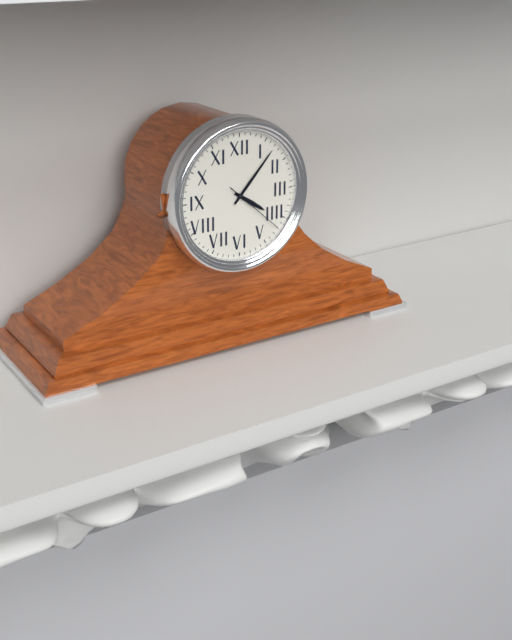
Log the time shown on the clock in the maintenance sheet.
4:07:22
